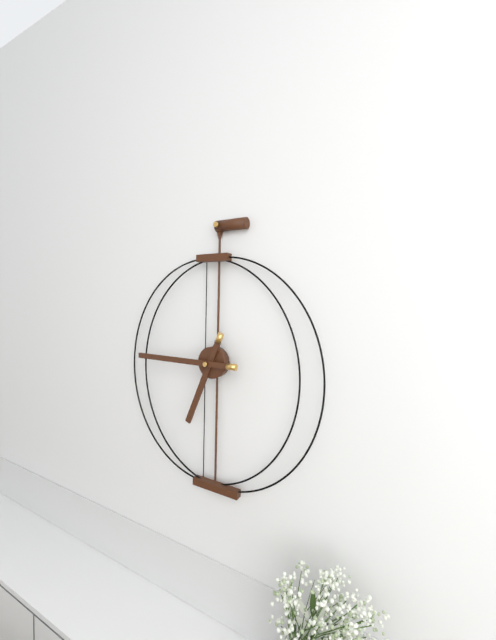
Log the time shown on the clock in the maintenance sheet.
6:45
